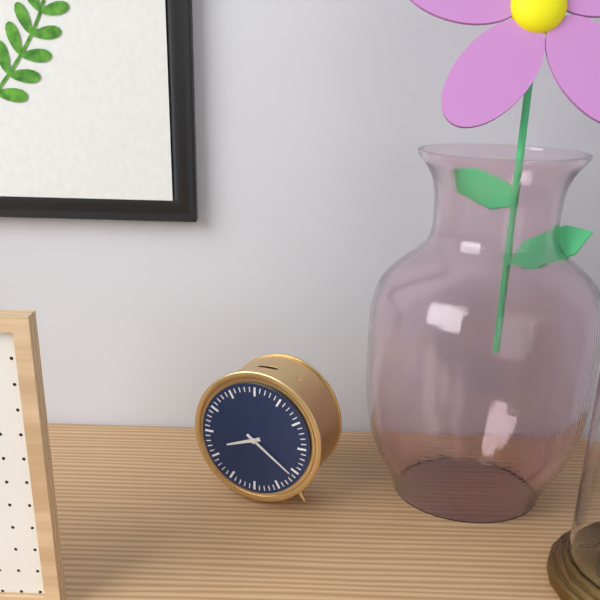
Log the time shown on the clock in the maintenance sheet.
8:21
